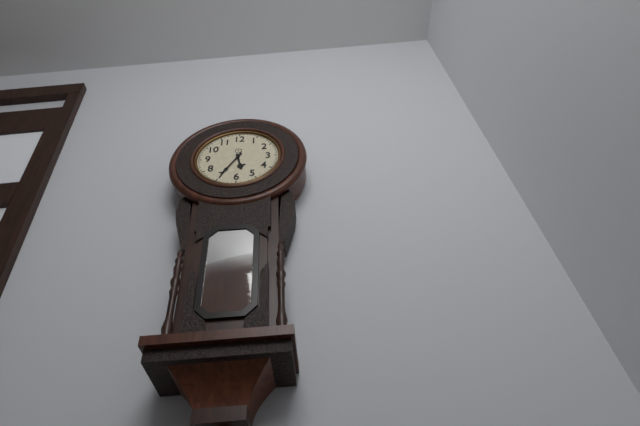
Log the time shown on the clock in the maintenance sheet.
5:35
